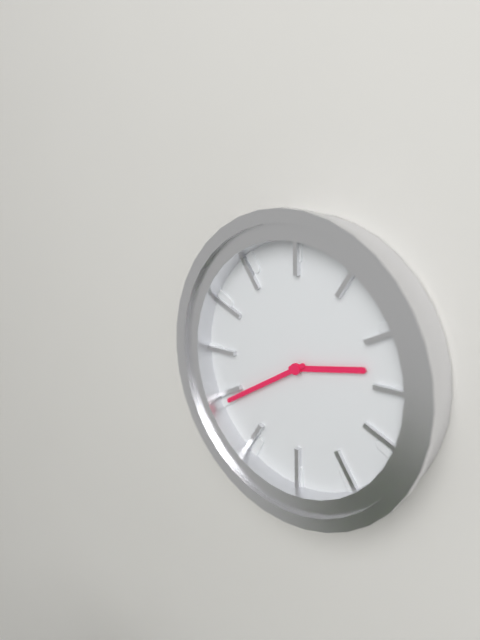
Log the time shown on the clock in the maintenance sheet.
2:40
